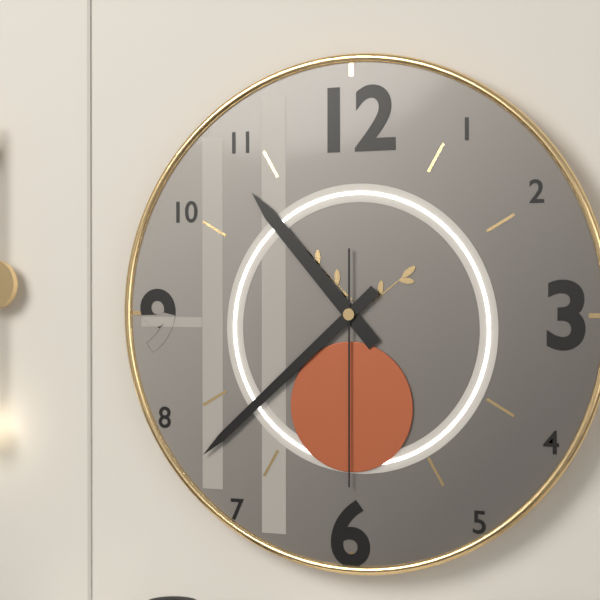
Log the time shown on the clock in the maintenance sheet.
10:38:30
